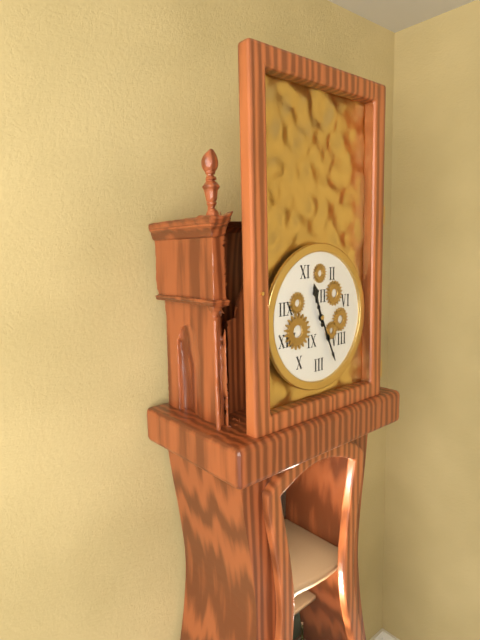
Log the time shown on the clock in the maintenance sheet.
11:26
